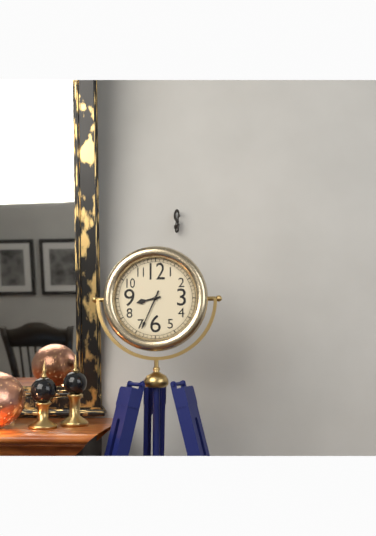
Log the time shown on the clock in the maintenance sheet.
8:34
